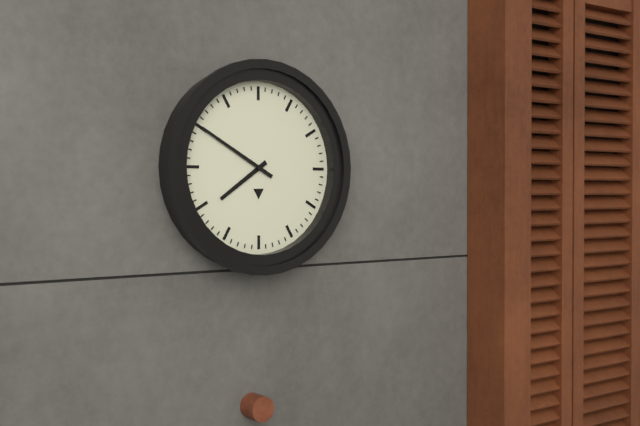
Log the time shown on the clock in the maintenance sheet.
7:50
